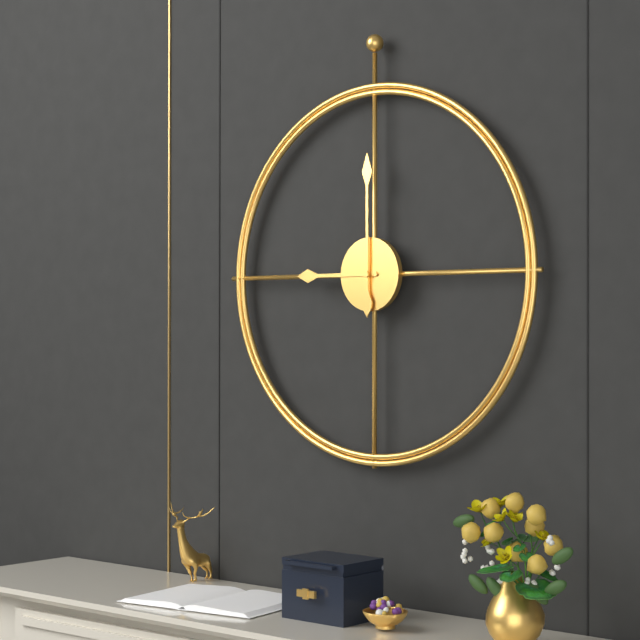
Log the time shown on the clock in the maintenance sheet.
9:00
